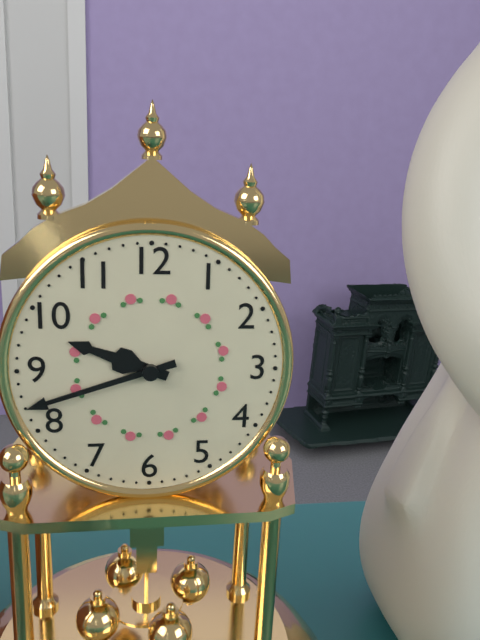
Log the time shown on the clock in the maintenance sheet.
9:42
